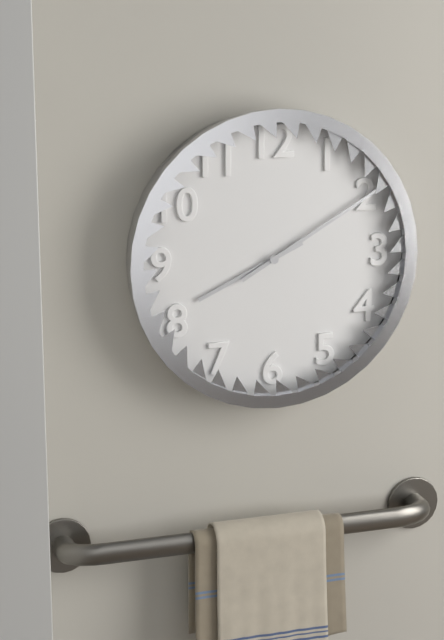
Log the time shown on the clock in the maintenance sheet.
8:10
